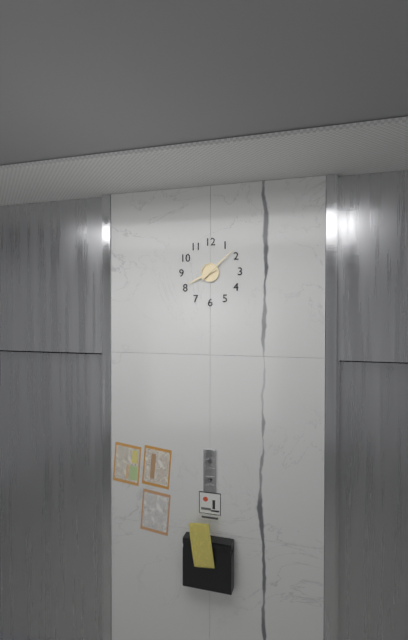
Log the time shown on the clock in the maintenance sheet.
8:08
